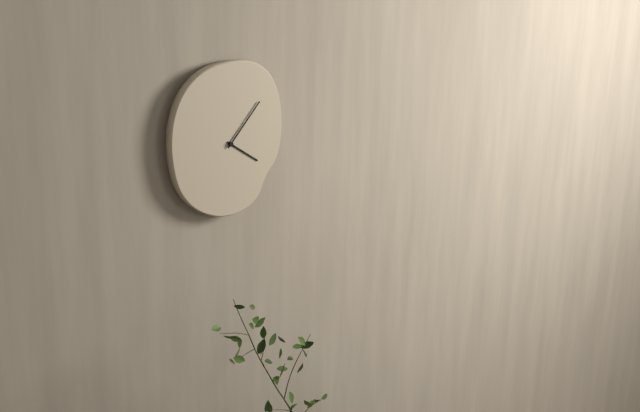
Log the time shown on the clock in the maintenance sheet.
4:07
